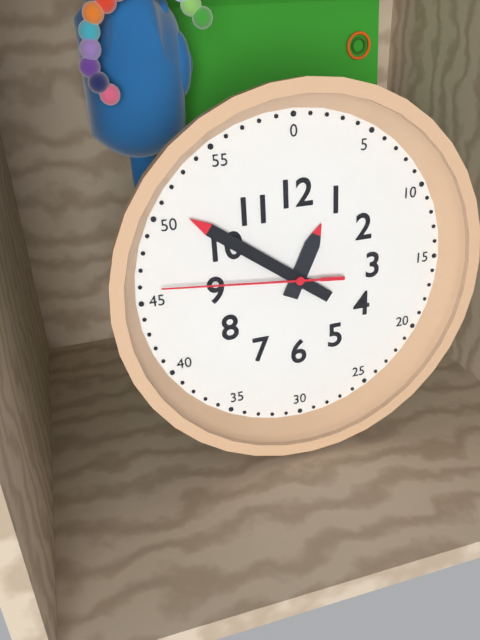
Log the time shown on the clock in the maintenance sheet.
12:51:46
